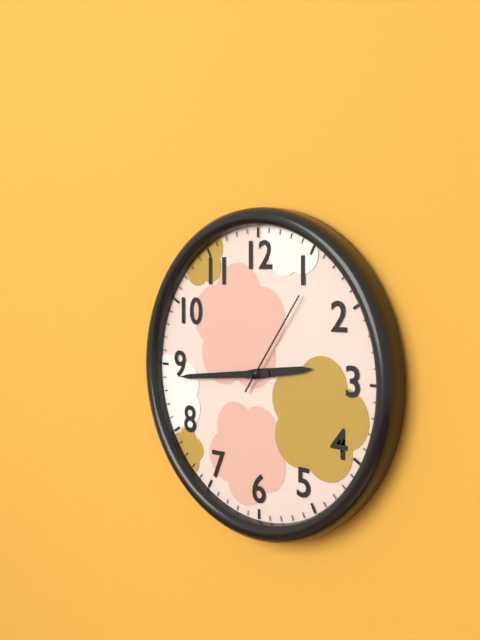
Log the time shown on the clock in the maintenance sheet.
2:44:06
